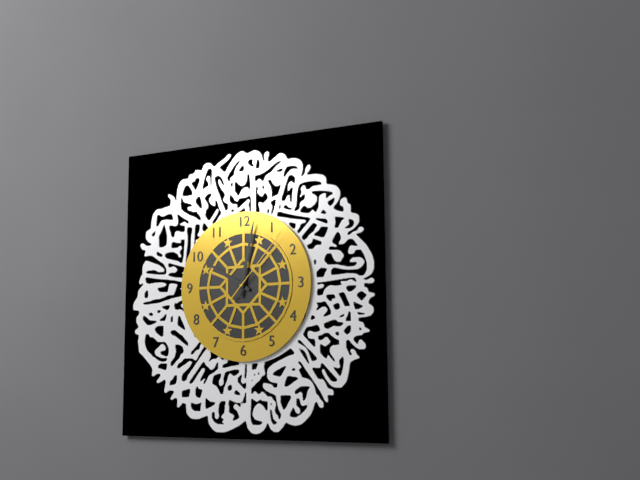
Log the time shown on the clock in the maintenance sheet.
10:02:07
